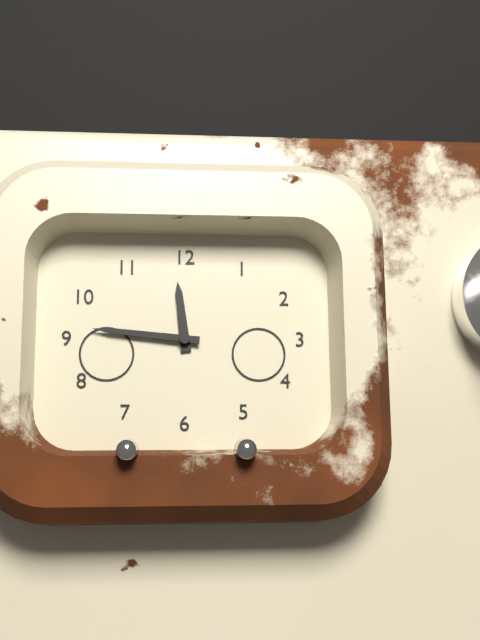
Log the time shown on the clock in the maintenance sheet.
11:46
